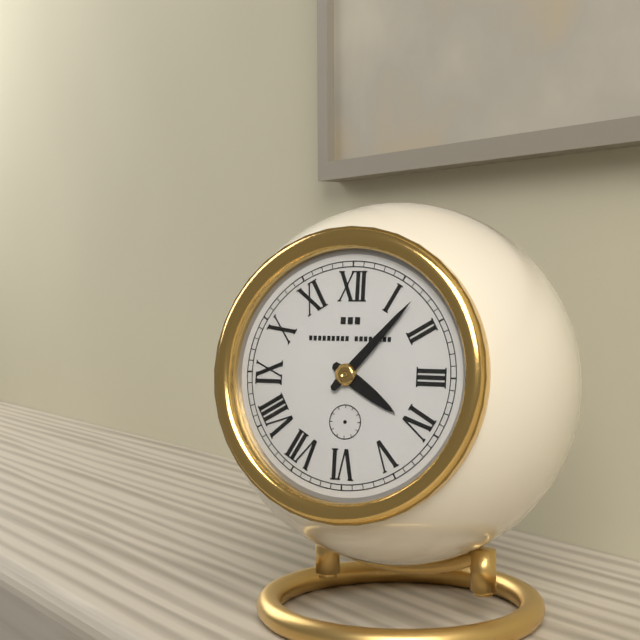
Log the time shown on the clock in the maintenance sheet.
4:07
